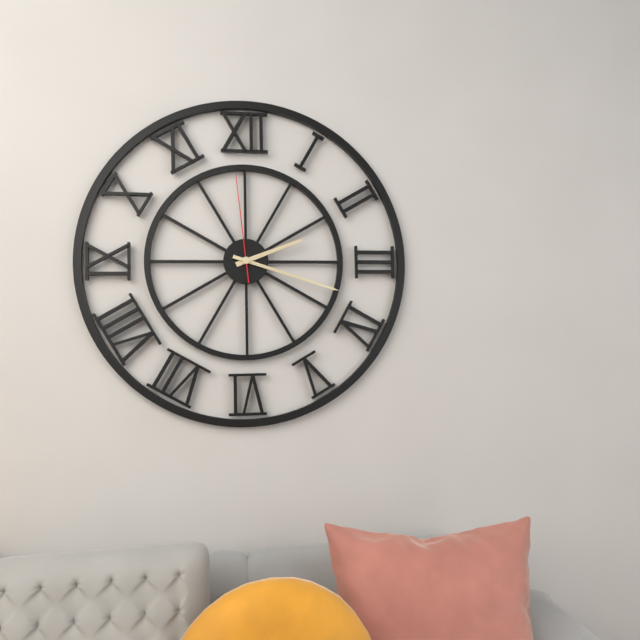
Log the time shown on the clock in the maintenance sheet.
2:18:59
